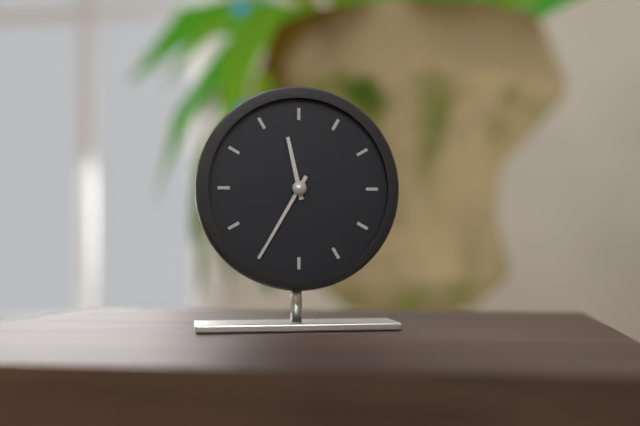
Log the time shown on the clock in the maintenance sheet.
11:35
